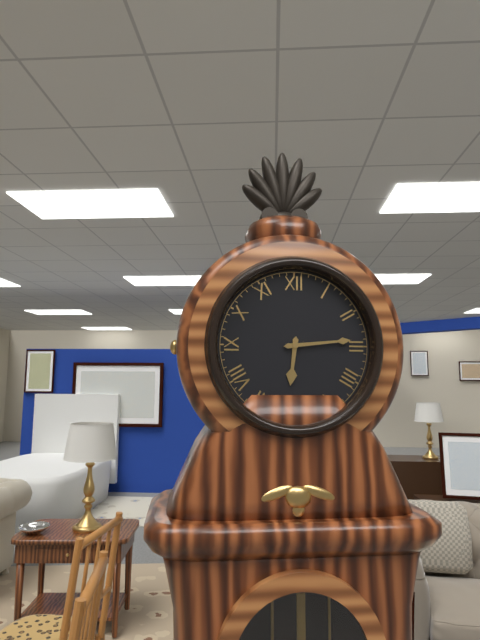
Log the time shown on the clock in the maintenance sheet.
6:14
